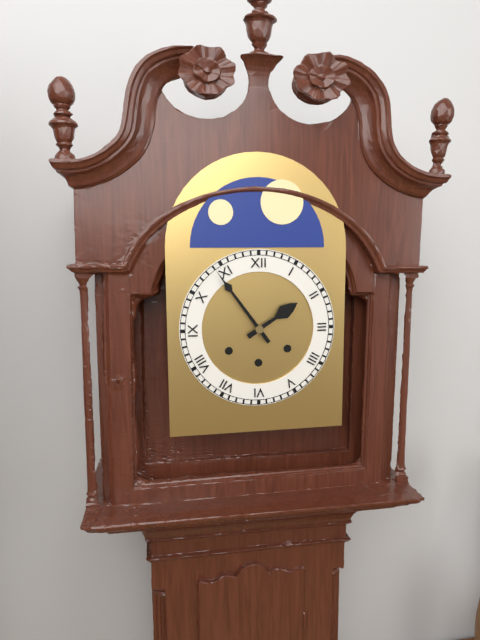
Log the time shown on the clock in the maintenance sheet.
1:54
